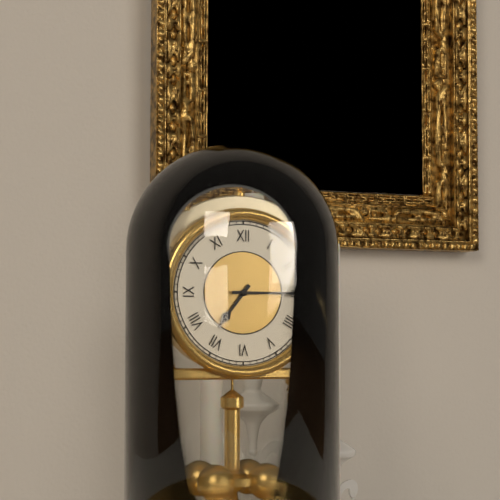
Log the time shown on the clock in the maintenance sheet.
7:15
